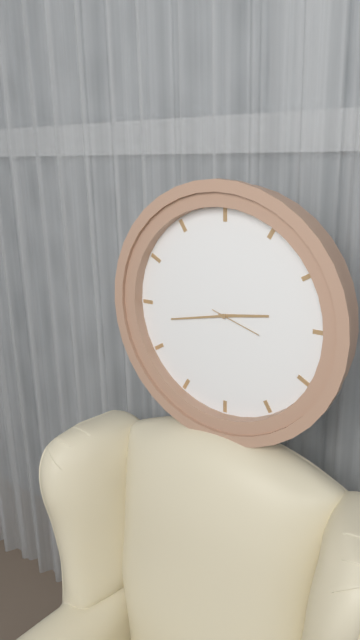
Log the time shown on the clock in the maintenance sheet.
2:43
